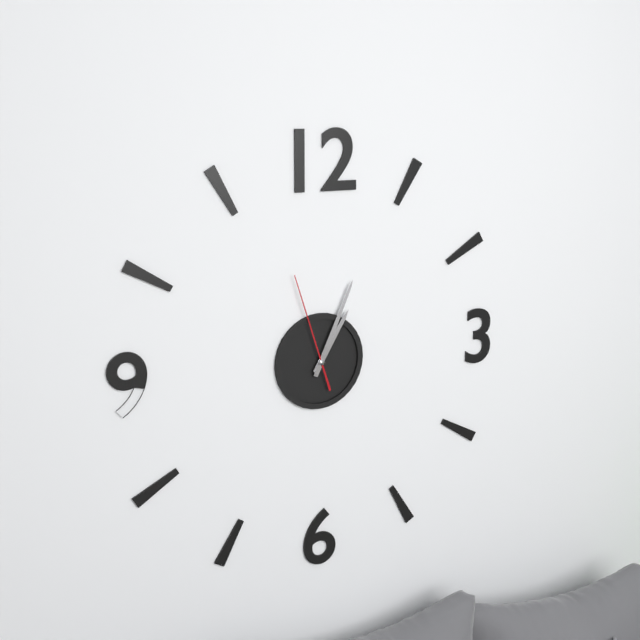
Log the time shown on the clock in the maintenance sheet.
1:04:57
